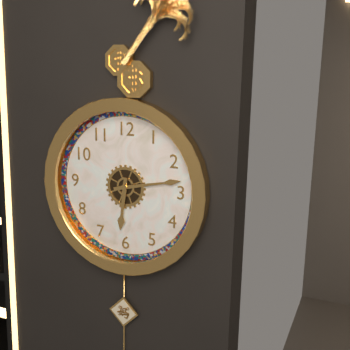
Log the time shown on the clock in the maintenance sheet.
6:13
